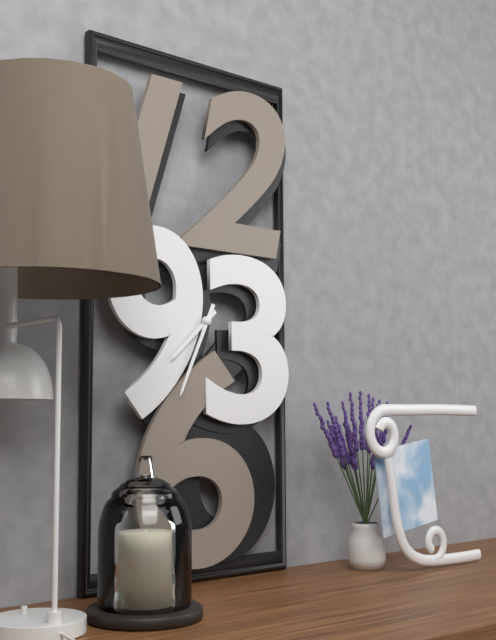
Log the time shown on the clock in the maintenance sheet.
7:34
